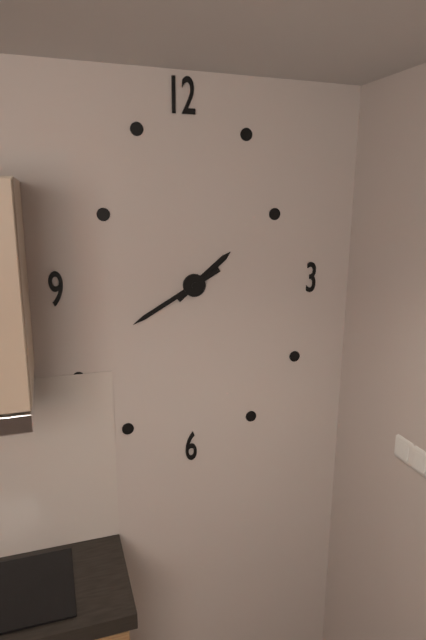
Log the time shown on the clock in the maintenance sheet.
1:40
